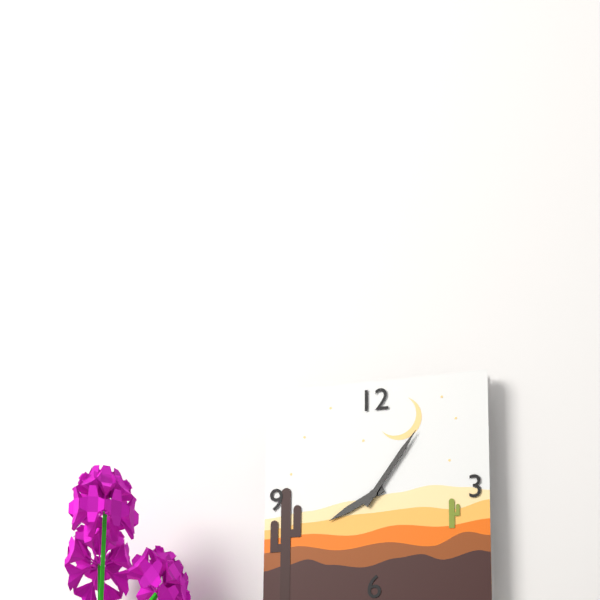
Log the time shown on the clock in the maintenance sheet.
8:06
